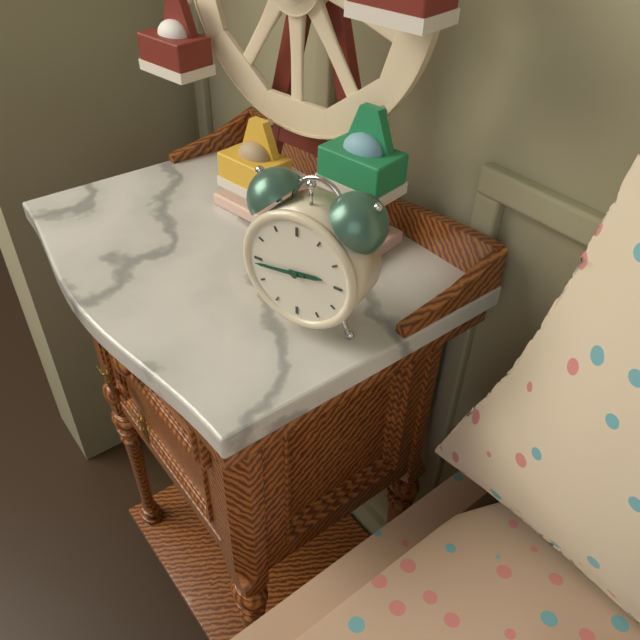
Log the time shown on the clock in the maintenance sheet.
2:44
